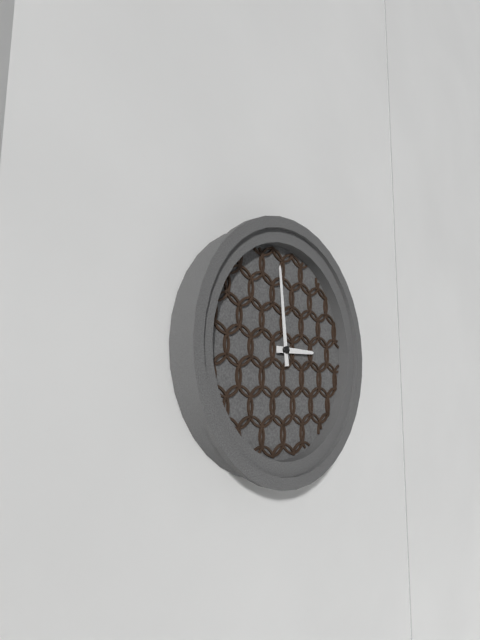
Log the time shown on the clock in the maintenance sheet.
2:59
